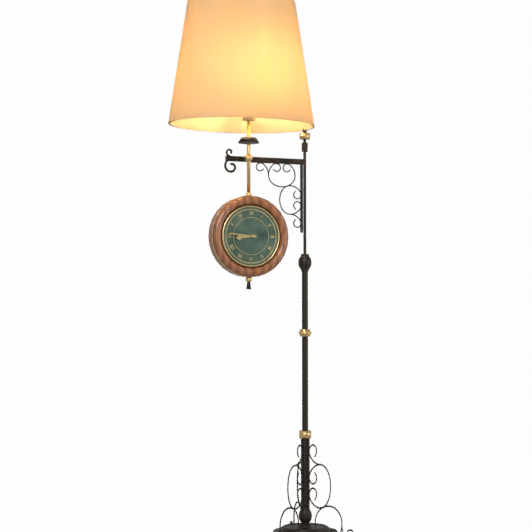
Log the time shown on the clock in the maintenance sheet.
8:46
